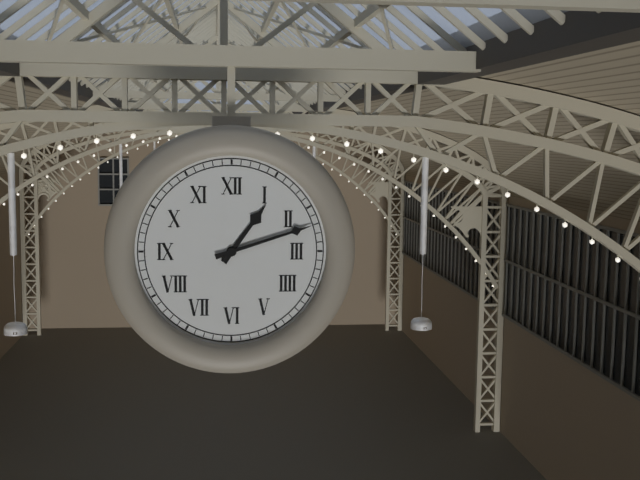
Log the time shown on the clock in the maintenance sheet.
1:12
